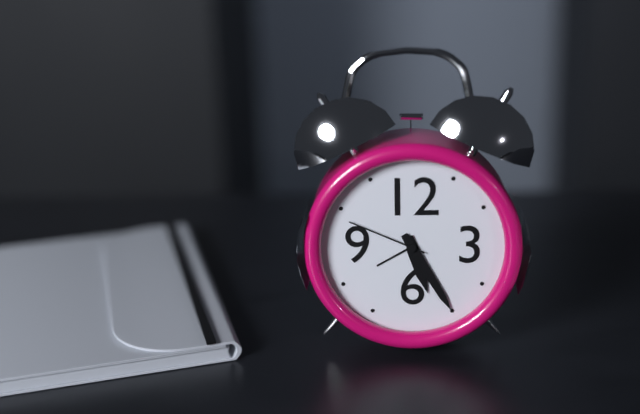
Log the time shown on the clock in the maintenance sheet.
5:25:49
